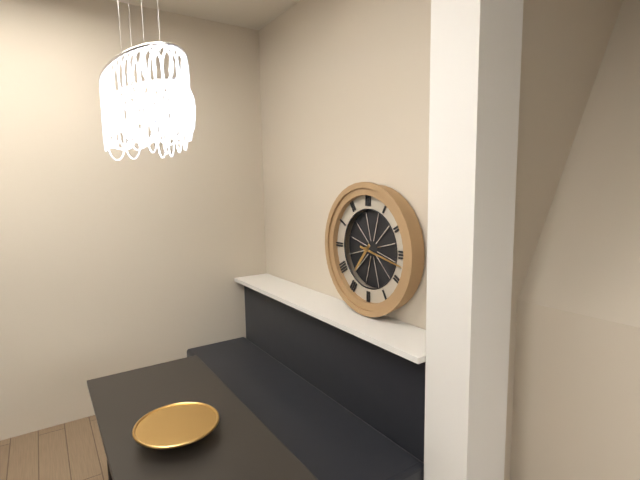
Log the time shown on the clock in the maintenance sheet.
7:17
